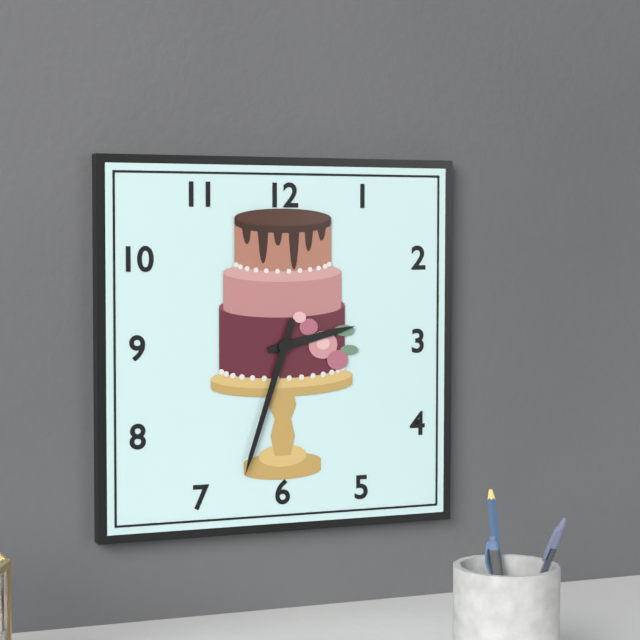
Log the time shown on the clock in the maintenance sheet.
2:33
